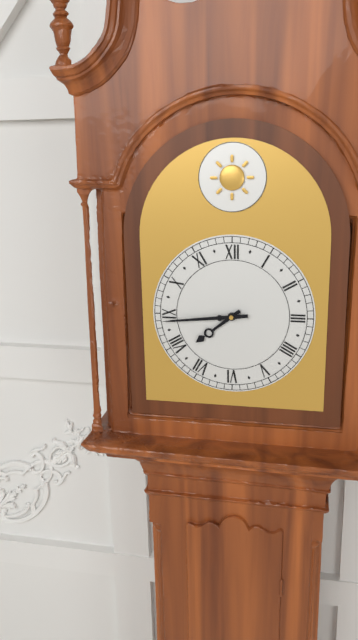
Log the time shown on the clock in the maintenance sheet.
7:44
